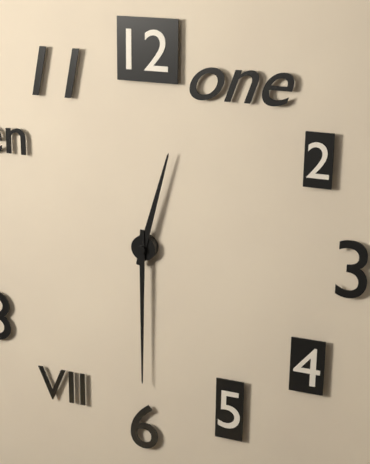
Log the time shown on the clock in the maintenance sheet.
12:30
